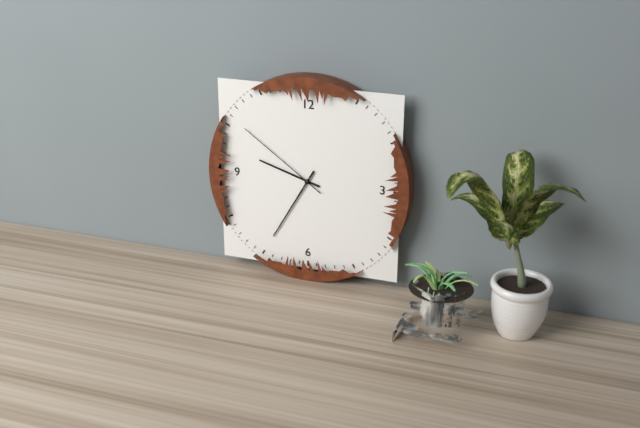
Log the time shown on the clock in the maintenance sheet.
9:35:51
